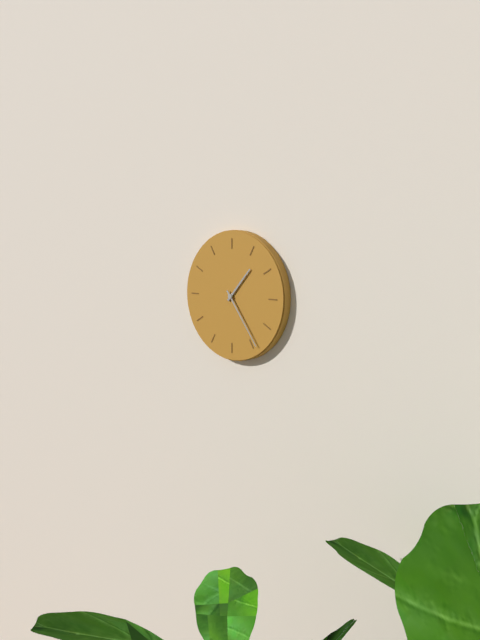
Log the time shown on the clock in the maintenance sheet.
1:24
